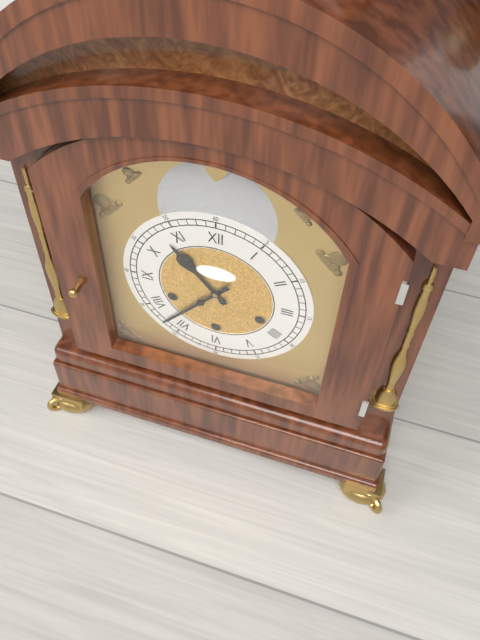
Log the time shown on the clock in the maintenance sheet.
10:37
